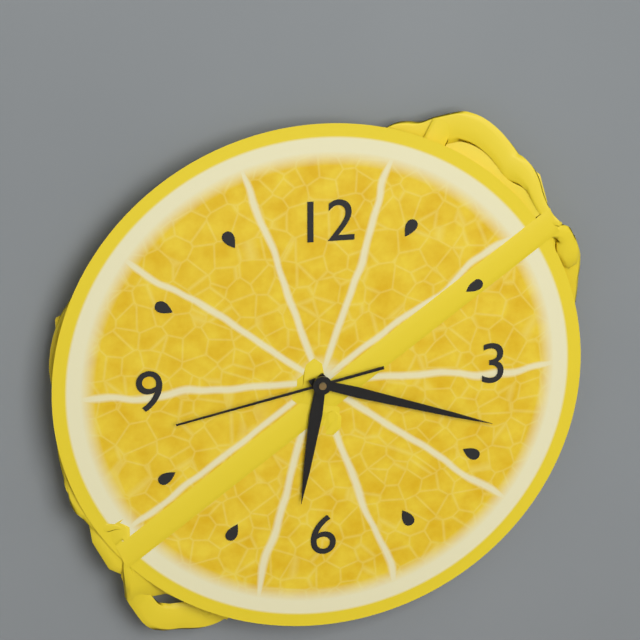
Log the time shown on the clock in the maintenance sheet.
6:18:43
